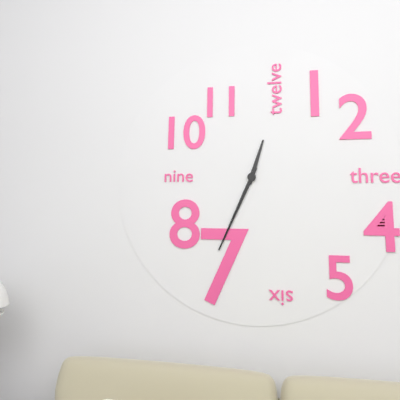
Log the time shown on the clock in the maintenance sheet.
12:34
